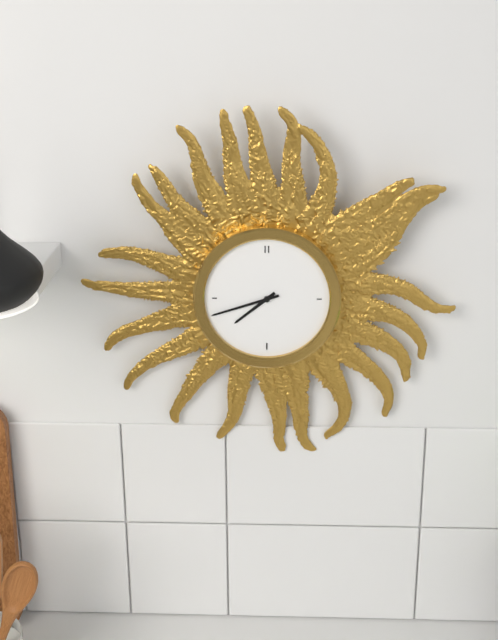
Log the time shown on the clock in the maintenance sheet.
7:42
